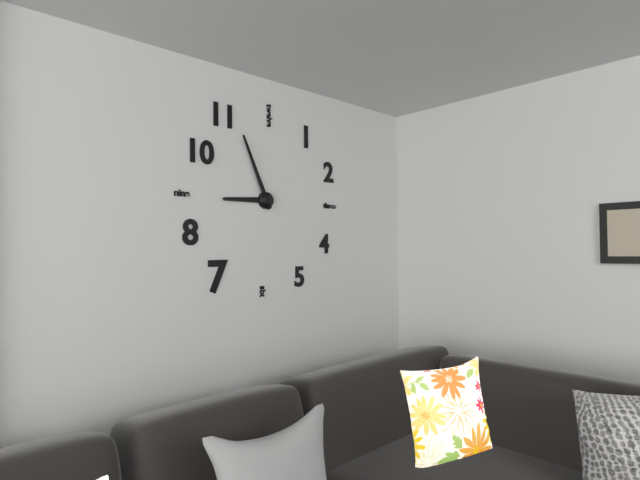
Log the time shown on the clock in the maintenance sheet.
8:56
